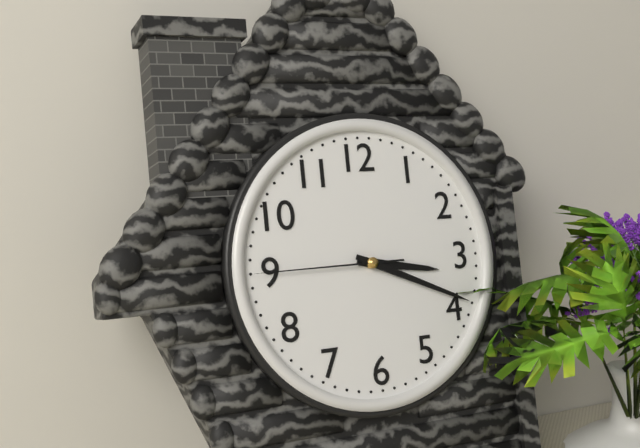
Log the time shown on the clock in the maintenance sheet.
3:19:45
